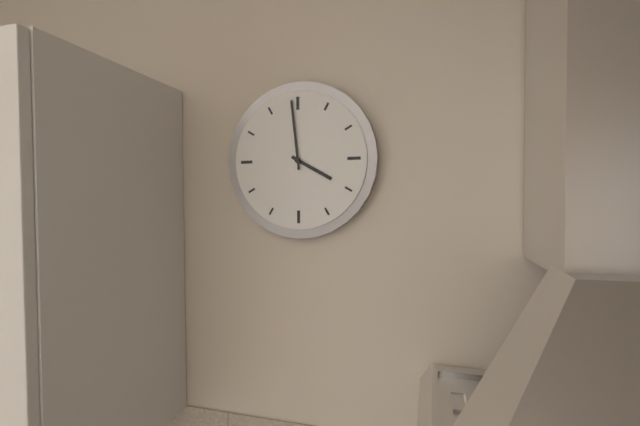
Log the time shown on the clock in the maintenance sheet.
3:59
